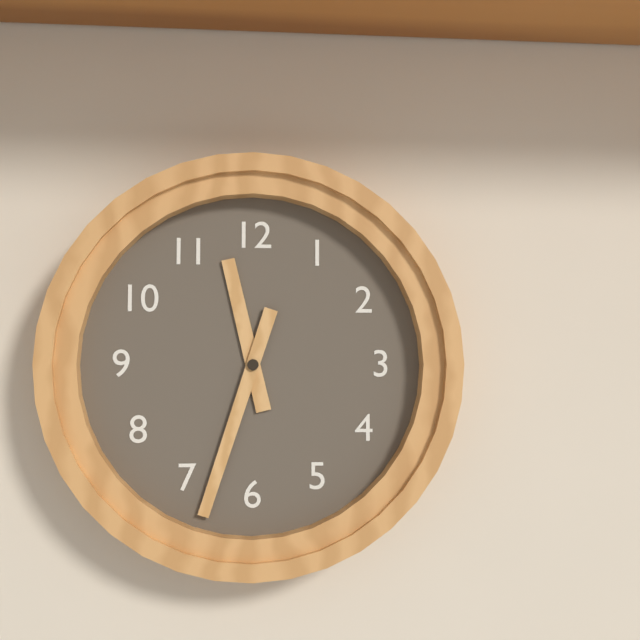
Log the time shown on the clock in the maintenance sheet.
11:33
